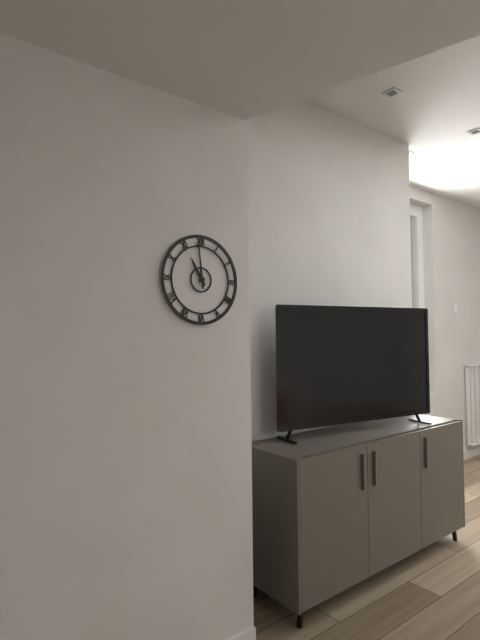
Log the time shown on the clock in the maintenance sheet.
10:59
